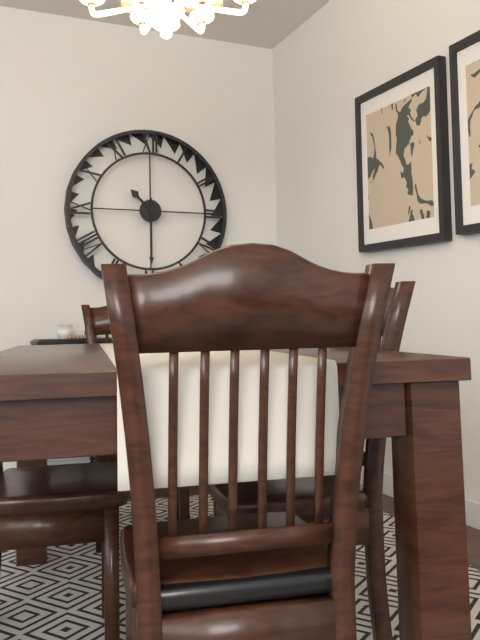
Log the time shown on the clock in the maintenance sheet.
10:30
